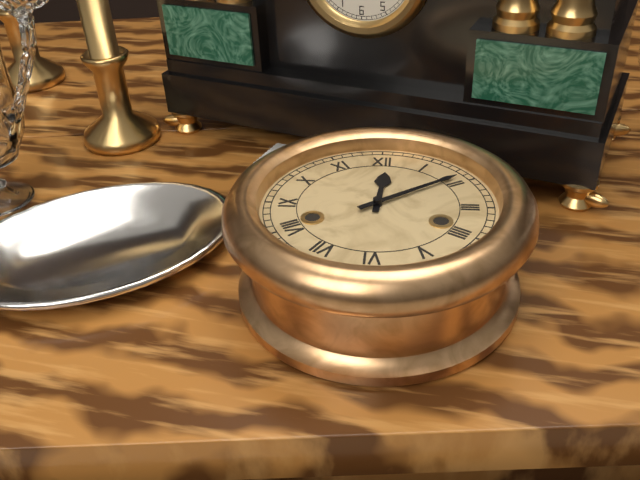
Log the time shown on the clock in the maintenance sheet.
12:09
